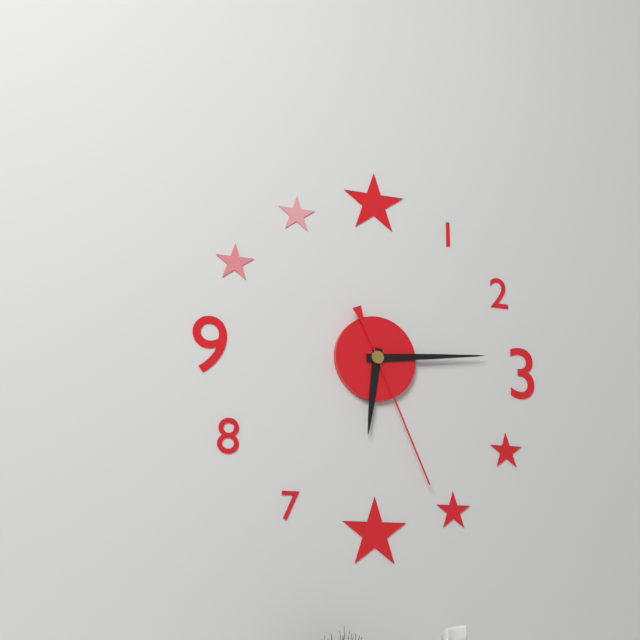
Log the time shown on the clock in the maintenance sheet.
6:14:26
